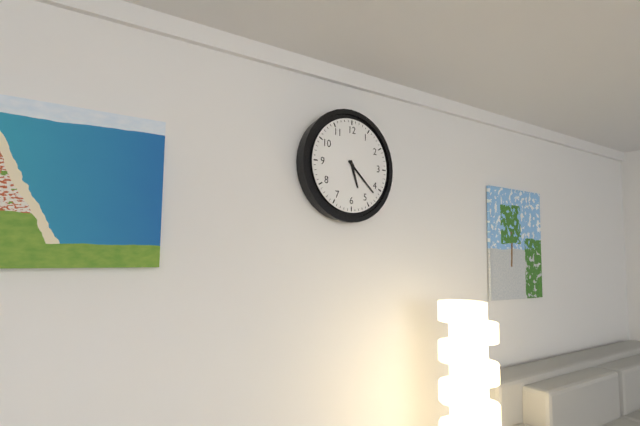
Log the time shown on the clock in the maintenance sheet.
5:22
